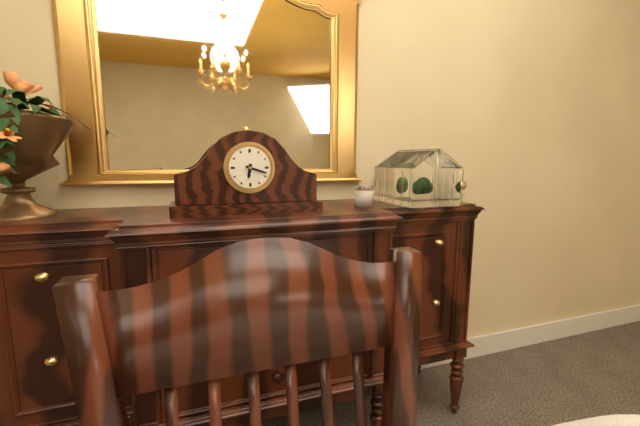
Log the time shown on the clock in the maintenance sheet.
6:18
